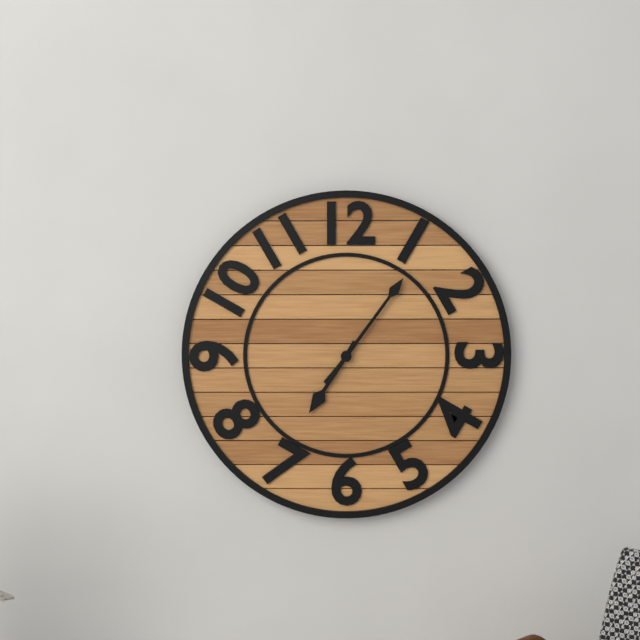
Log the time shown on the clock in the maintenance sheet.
7:06
